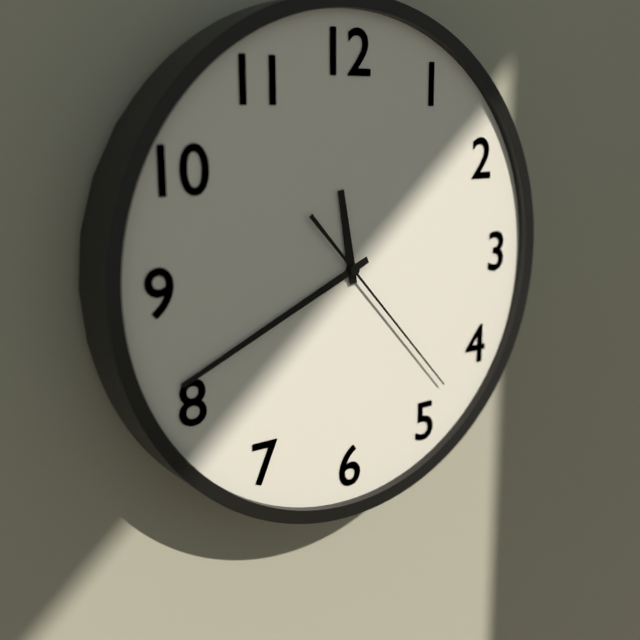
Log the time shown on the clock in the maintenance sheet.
11:41:23
